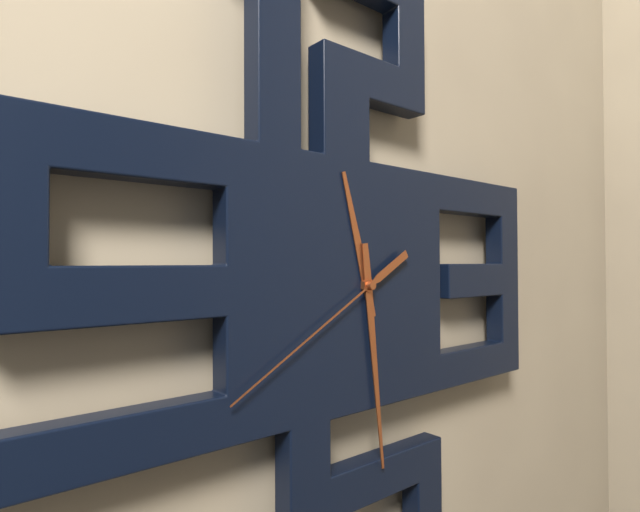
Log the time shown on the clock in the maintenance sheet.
11:29:40
